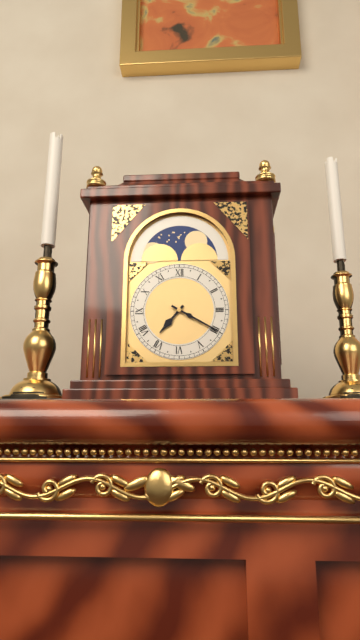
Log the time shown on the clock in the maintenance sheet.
7:20
